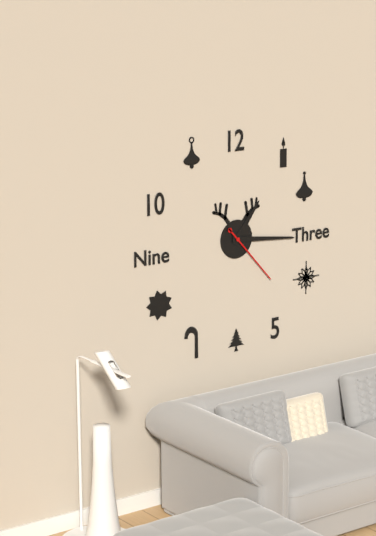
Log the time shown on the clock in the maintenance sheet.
1:16:23
